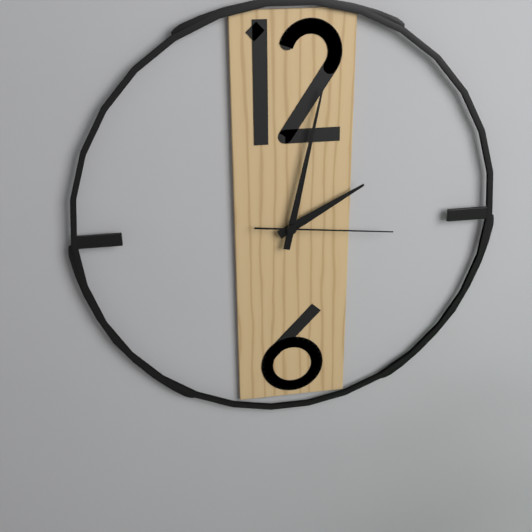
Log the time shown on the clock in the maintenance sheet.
2:02:16
